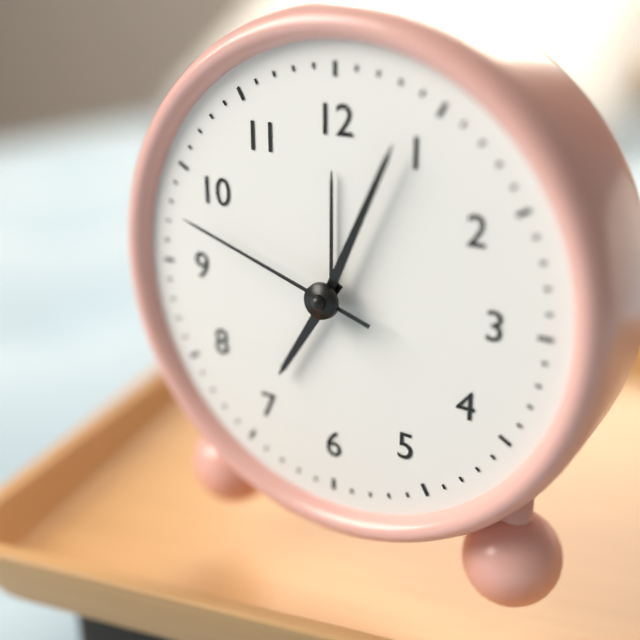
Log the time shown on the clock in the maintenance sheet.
7:04:48
